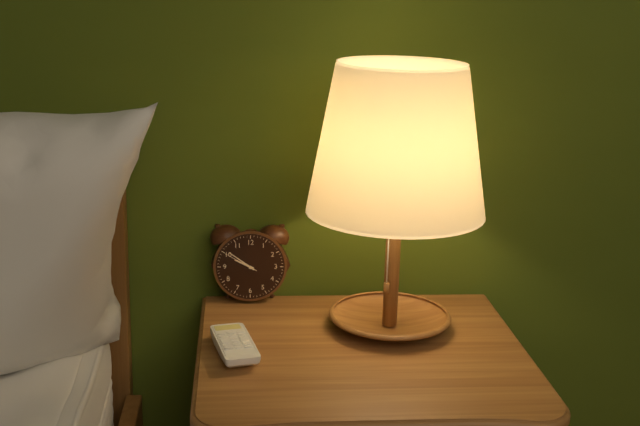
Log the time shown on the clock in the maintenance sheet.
9:51
